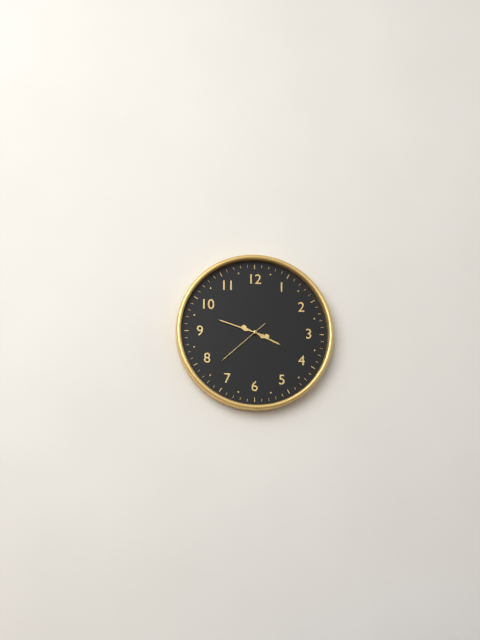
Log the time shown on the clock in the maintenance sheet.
3:48:38
